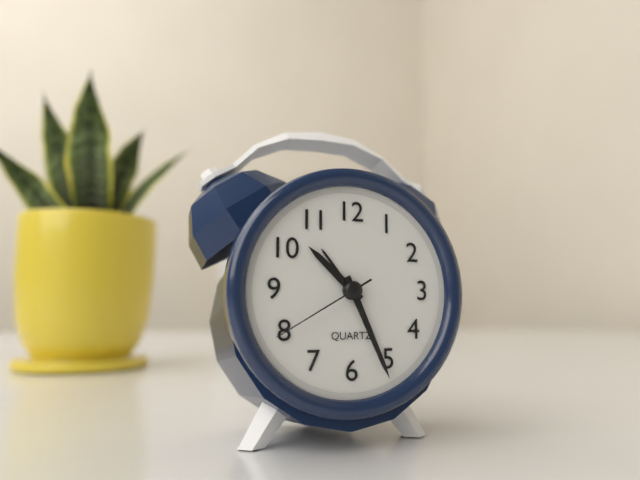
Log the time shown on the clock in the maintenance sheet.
10:26:40
